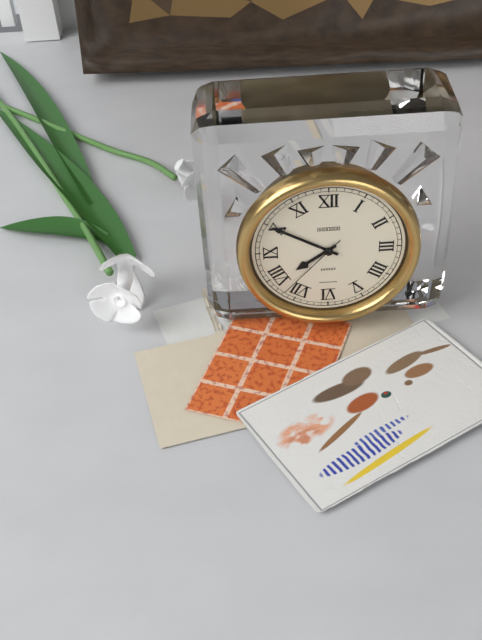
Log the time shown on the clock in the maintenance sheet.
7:50:37
